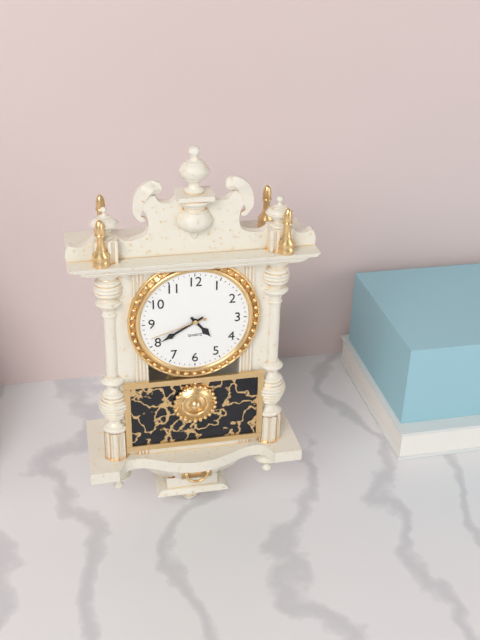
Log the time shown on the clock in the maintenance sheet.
4:40:42
